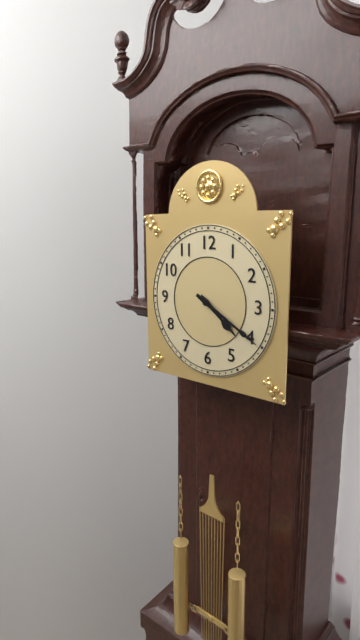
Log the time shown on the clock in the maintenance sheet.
4:20
